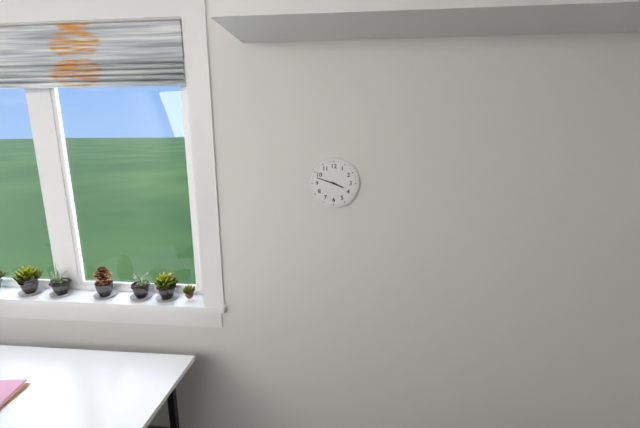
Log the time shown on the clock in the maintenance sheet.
3:48
